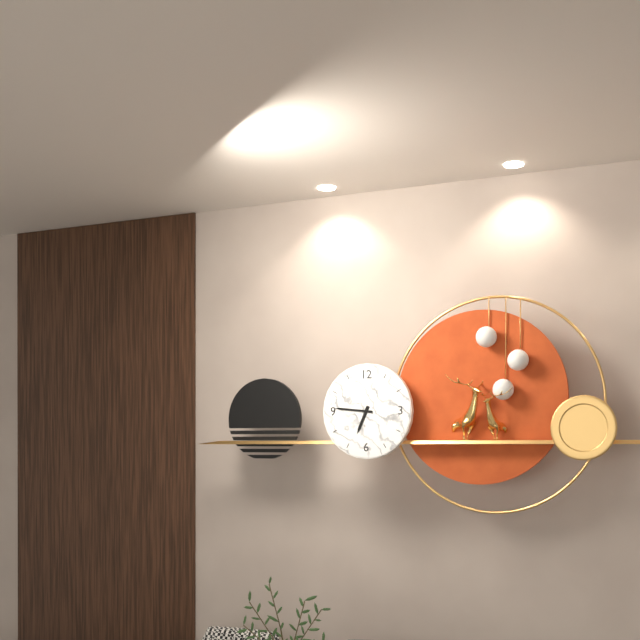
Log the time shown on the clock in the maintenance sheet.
6:46
